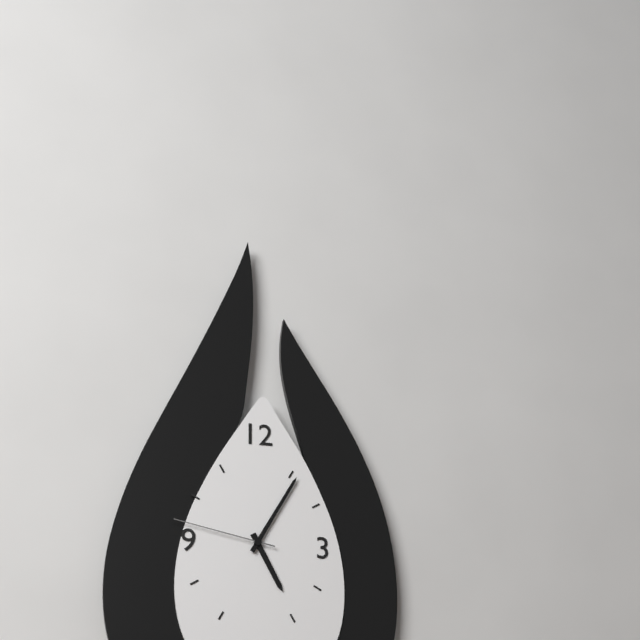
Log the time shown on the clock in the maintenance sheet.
5:05:47
